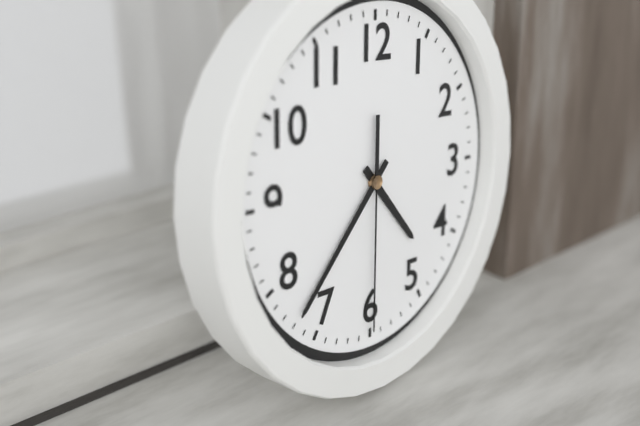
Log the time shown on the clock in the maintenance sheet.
4:37:30
